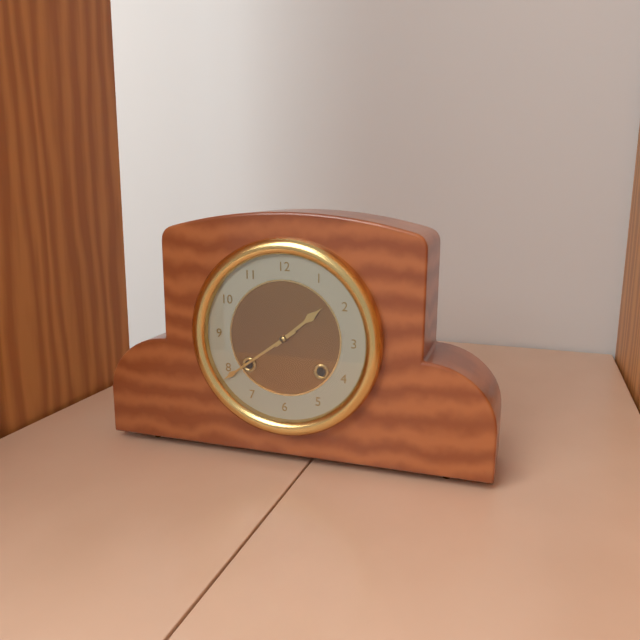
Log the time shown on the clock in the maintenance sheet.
1:39
